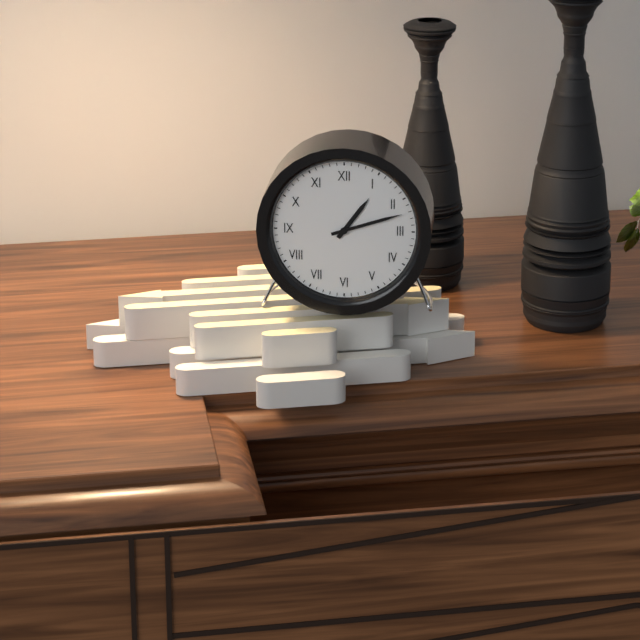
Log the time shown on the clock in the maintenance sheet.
1:12
